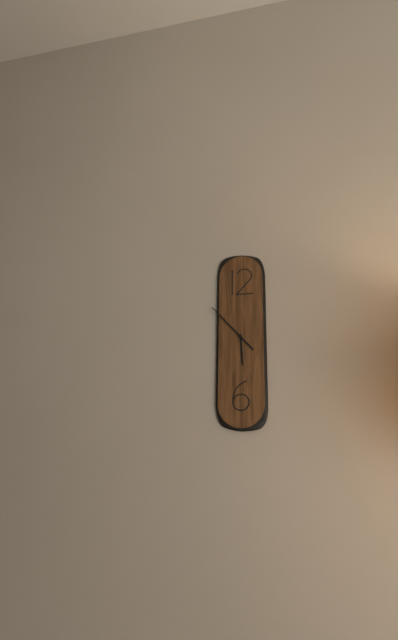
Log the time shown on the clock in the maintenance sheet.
5:53
